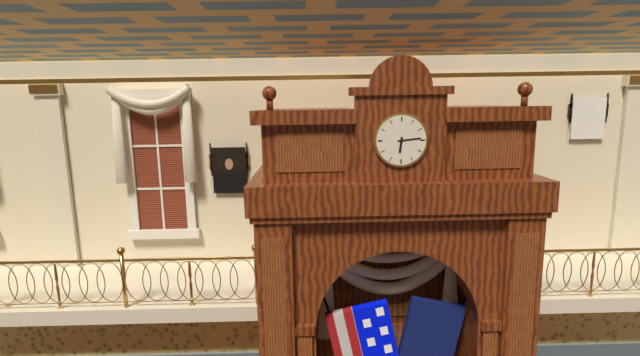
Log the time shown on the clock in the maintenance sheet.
6:14
